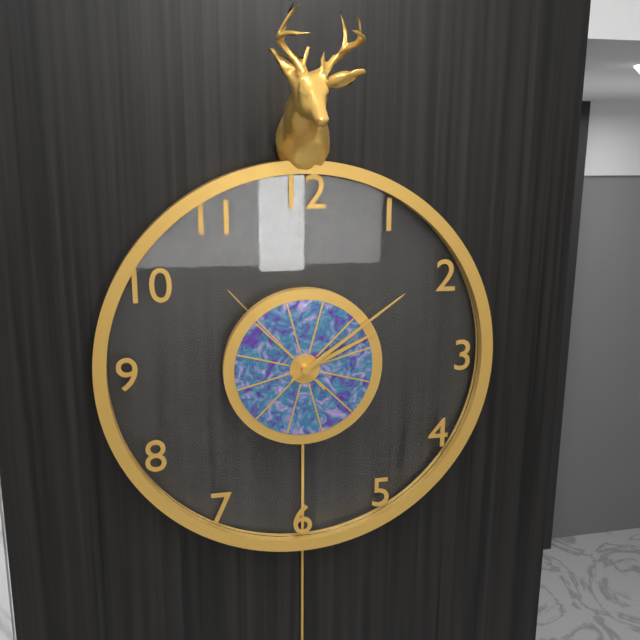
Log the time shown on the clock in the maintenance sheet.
2:09:53
